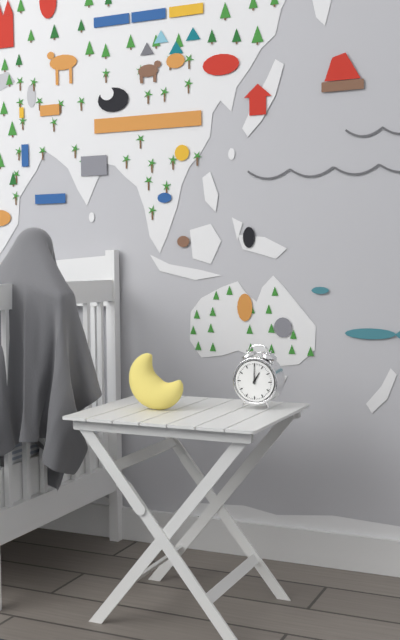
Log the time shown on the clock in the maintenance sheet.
1:00
